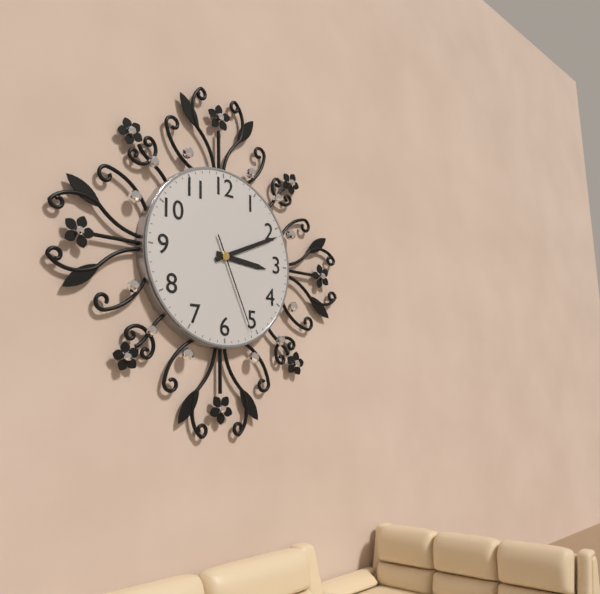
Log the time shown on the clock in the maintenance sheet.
3:11:26
